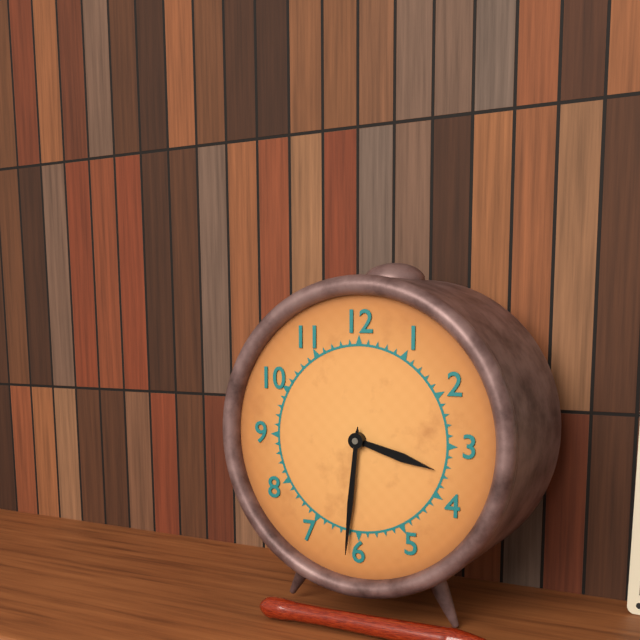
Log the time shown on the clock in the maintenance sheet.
3:31
